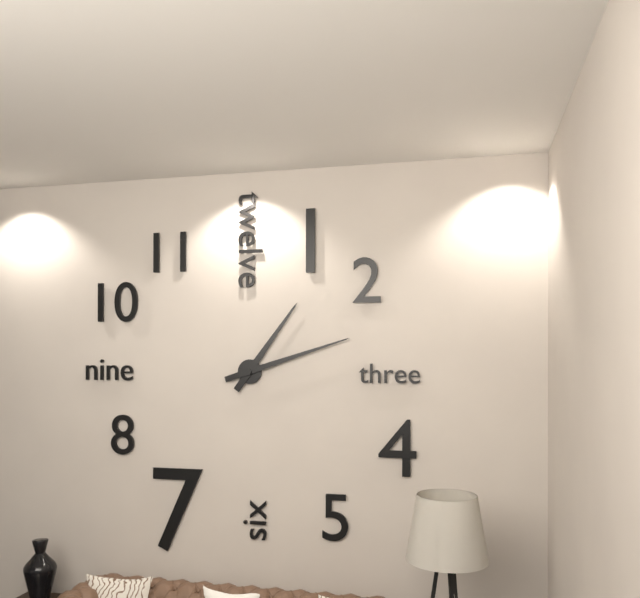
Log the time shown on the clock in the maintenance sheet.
1:12
